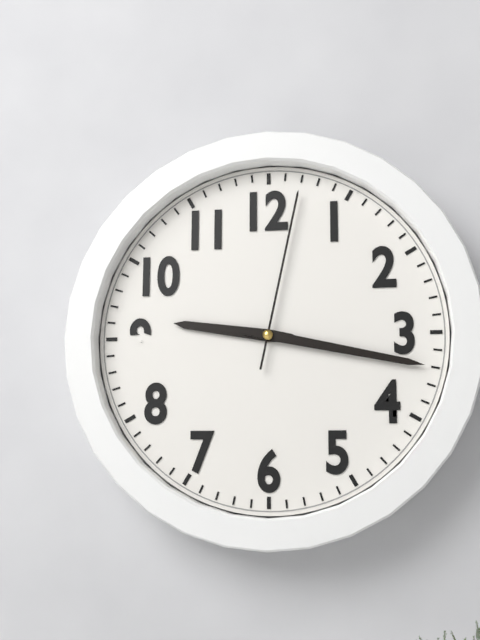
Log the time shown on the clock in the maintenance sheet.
9:17:02
